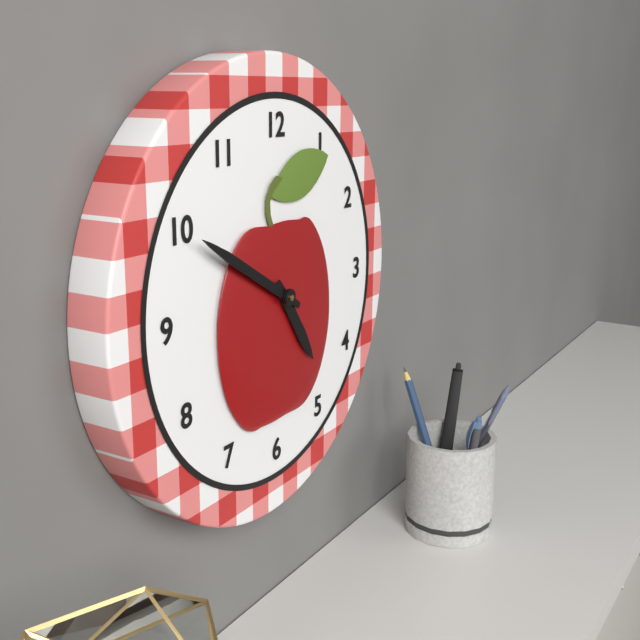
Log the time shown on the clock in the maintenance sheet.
4:50
